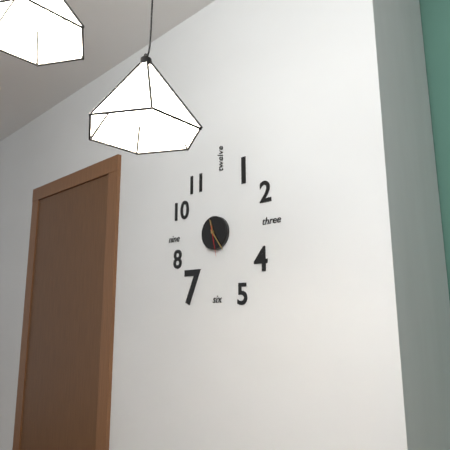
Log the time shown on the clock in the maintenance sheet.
11:24
